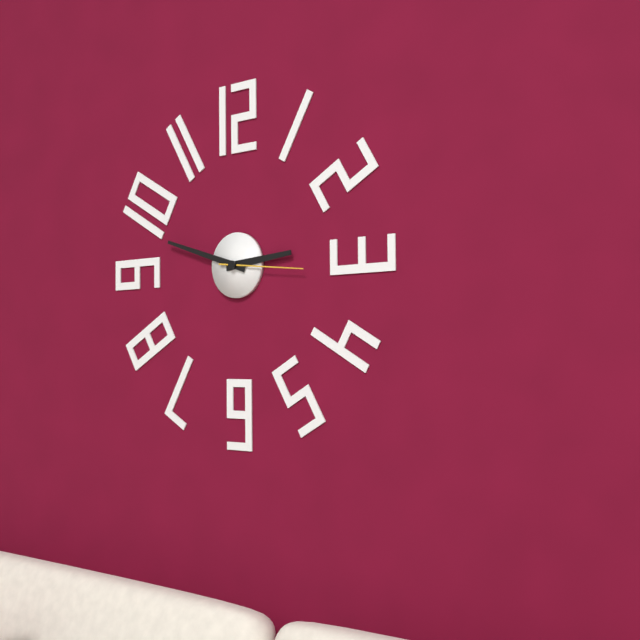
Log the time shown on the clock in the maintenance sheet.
2:48:16
